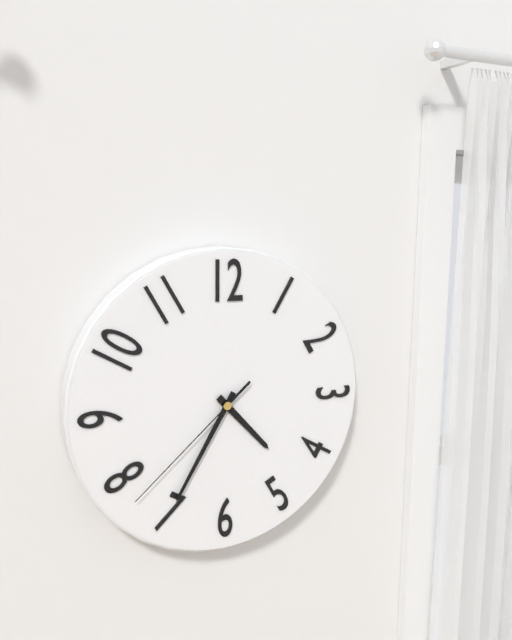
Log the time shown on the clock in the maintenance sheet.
4:35:38
